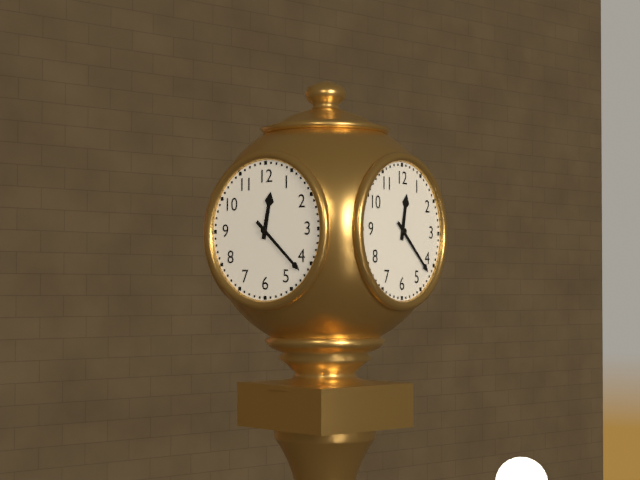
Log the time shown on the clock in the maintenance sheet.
12:22
